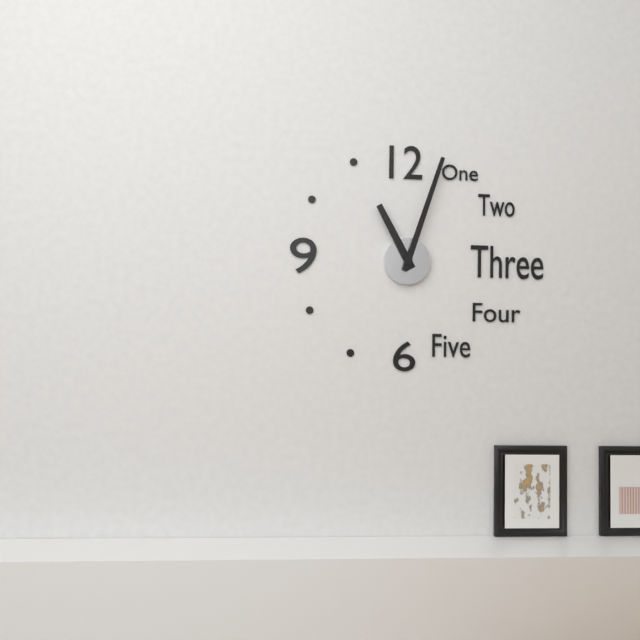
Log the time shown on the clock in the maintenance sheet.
11:03
